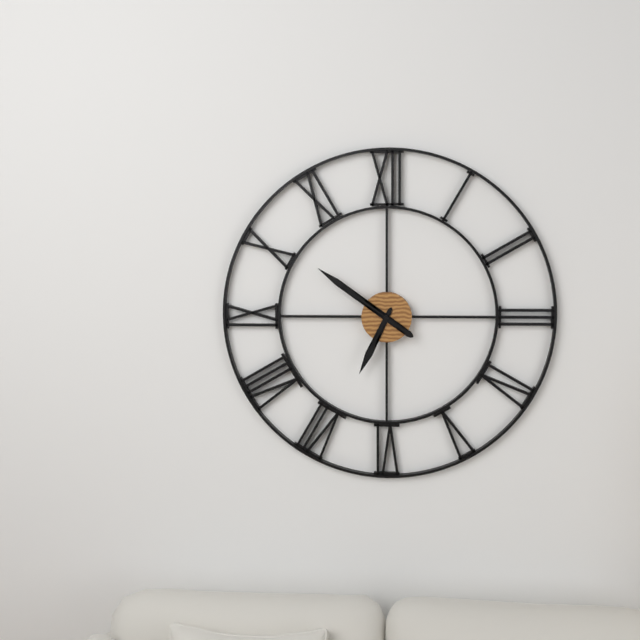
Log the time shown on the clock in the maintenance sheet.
6:51
